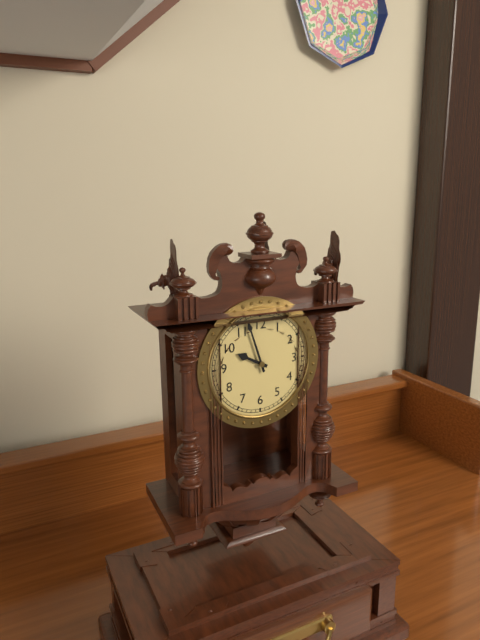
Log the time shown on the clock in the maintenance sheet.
9:57
